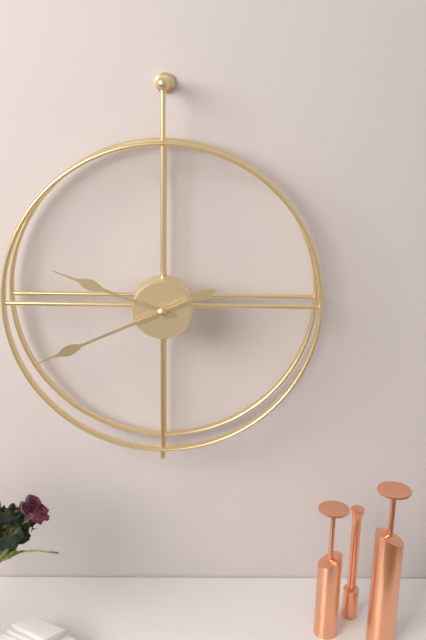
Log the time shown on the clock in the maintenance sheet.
9:41
